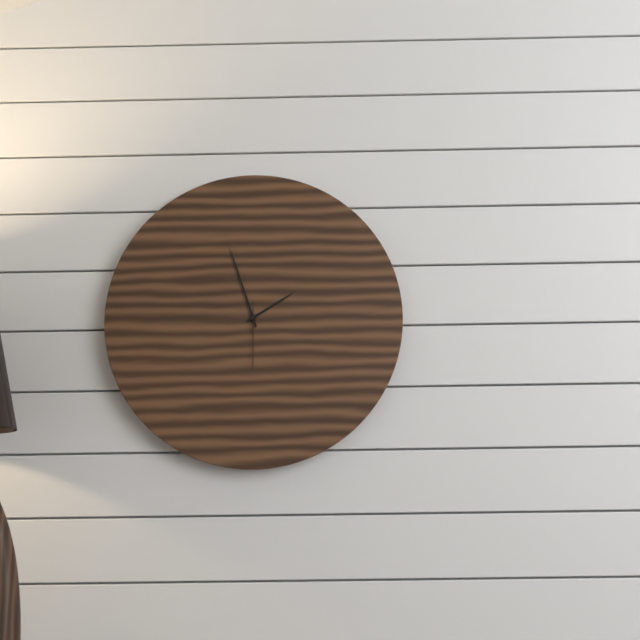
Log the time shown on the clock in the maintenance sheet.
1:57:30
